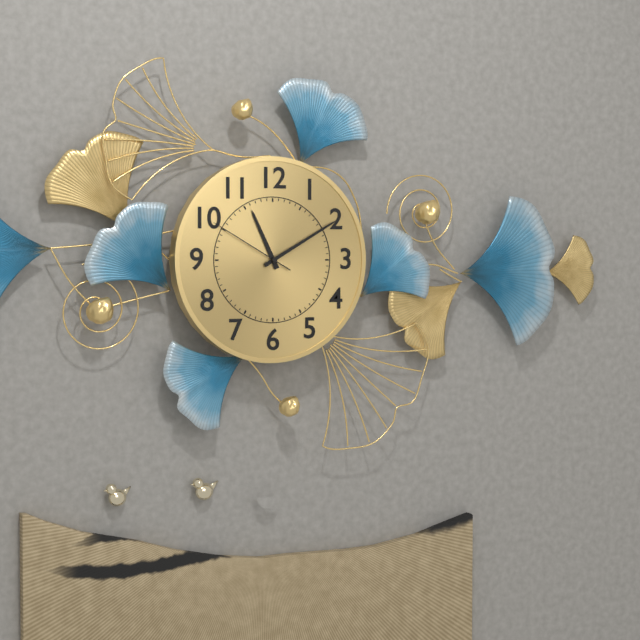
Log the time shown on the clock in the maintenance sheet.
11:10:50
